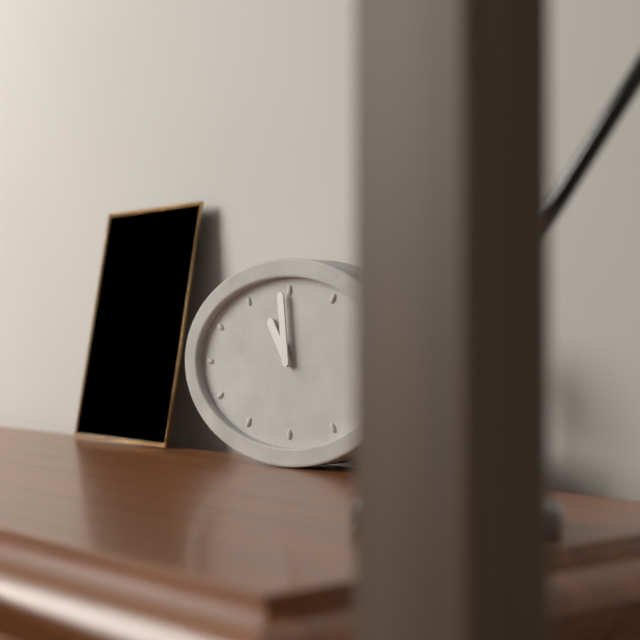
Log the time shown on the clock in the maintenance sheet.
10:59
